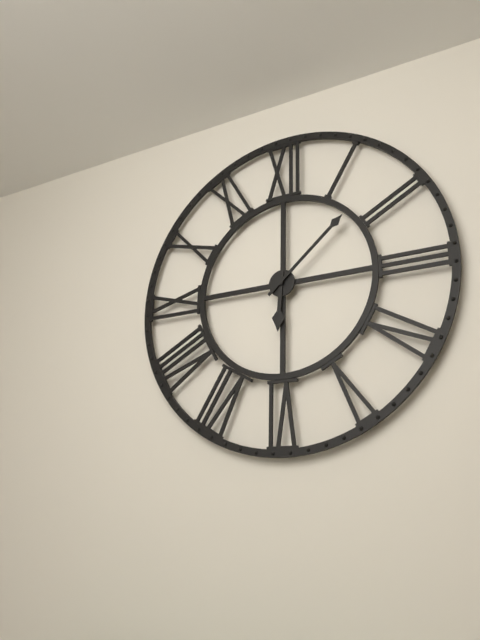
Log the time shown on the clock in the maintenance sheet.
6:08
